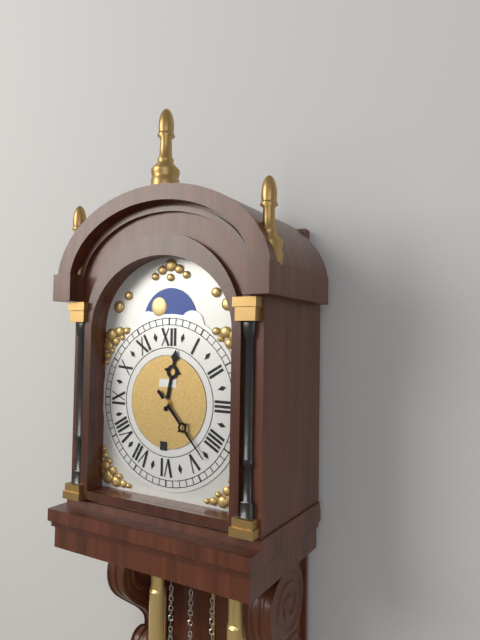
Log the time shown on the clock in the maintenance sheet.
12:23
